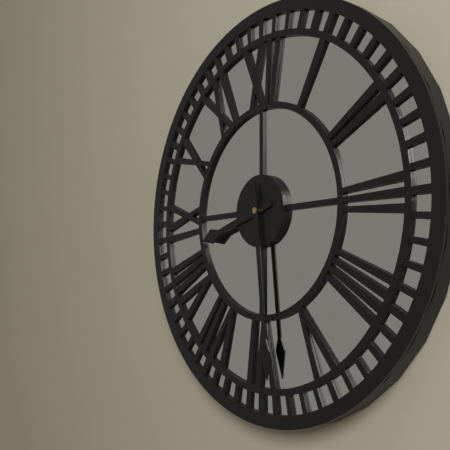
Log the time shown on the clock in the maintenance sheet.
8:29
